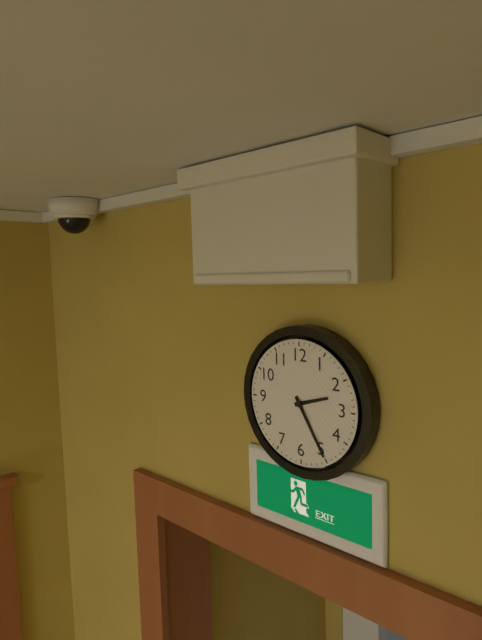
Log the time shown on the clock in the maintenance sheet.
2:25
